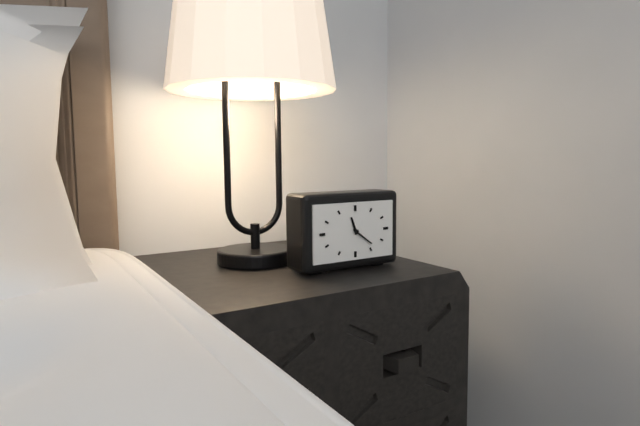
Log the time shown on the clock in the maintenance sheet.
11:21
